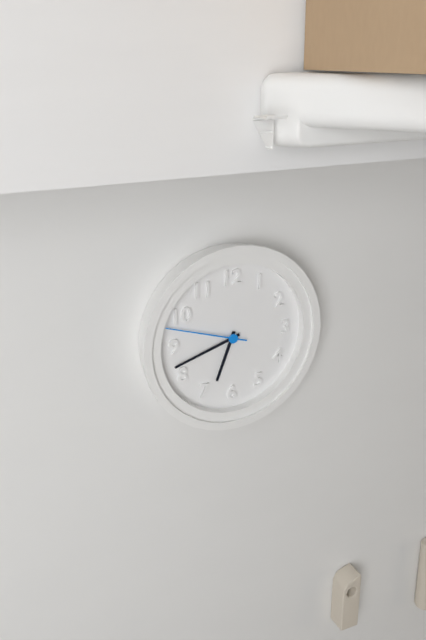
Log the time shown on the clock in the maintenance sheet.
6:42:48
